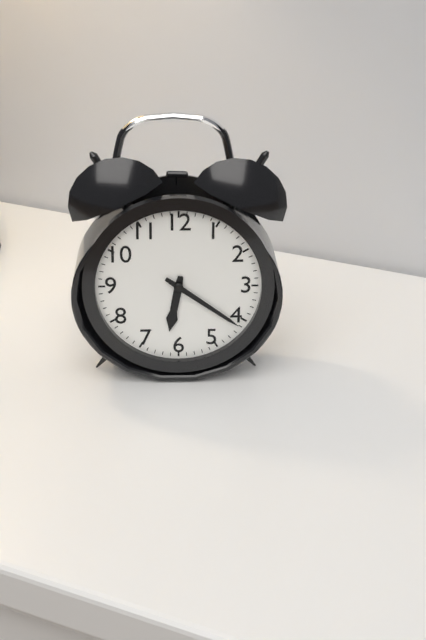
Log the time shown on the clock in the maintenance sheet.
6:21
